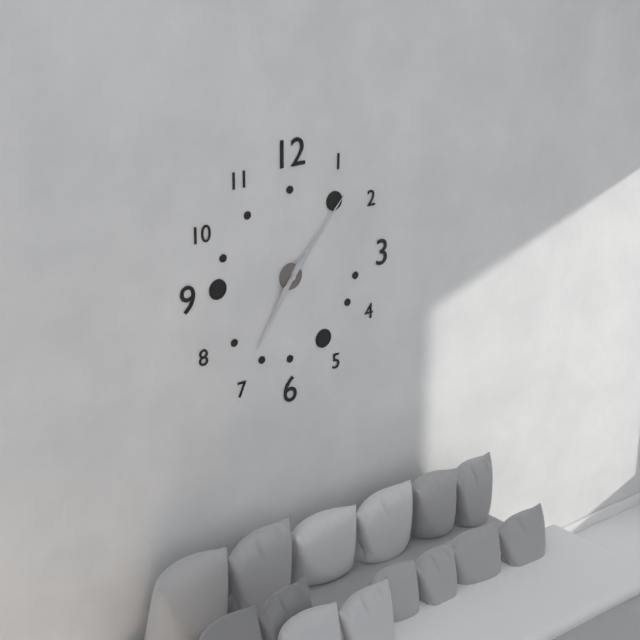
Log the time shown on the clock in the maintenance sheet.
7:07
